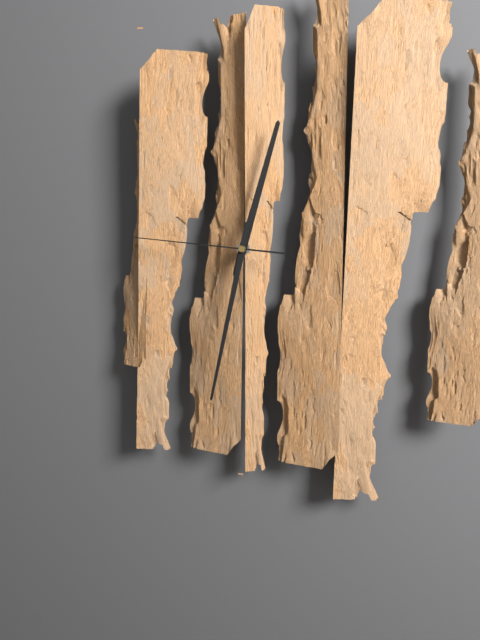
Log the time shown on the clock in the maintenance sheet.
12:32:46
